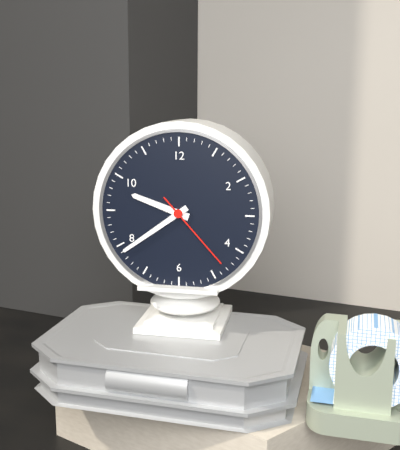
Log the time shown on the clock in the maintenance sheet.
9:39:23
